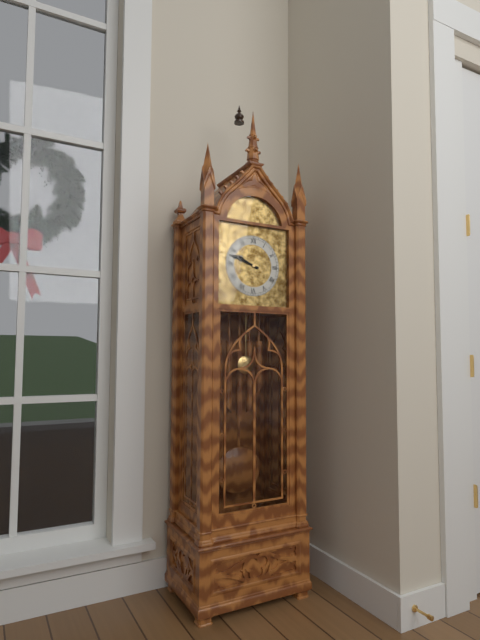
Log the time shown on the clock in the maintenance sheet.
9:48
